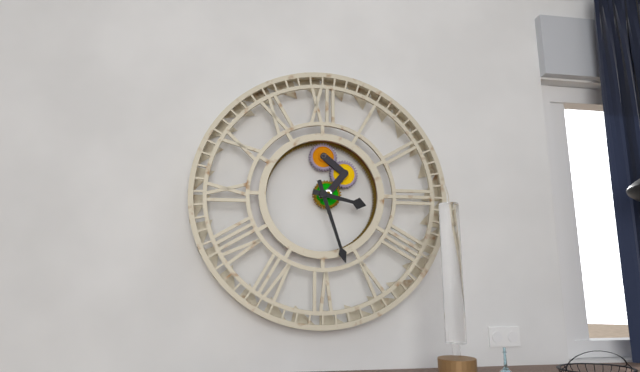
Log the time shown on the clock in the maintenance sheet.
3:27
